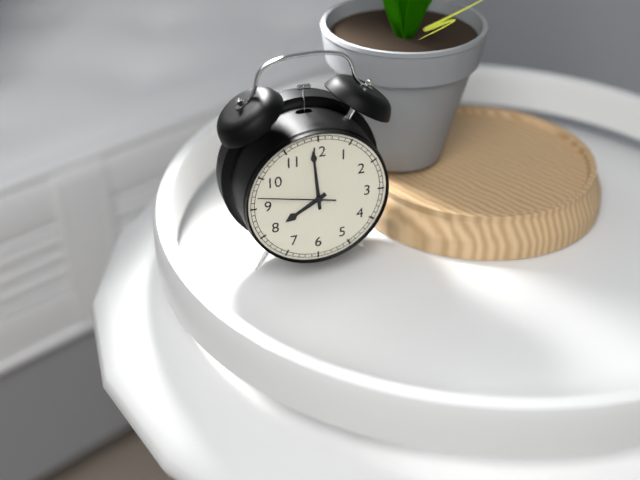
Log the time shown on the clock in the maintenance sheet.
7:59:47
